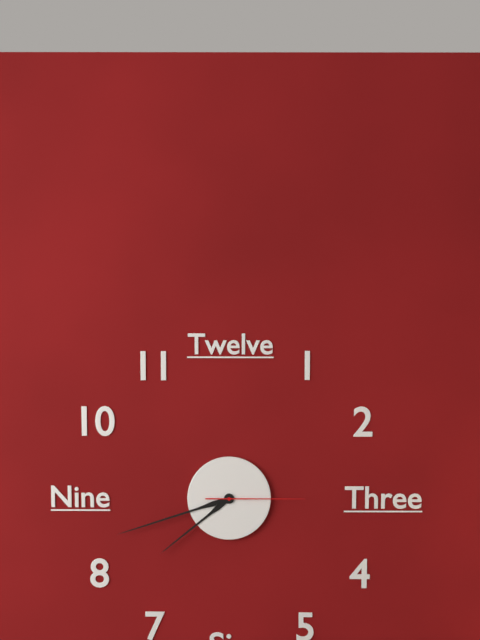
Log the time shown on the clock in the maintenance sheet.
7:42:15
